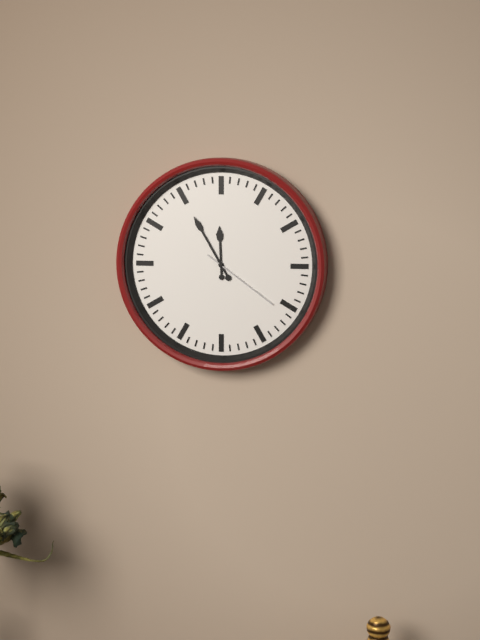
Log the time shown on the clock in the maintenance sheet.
11:55:21
